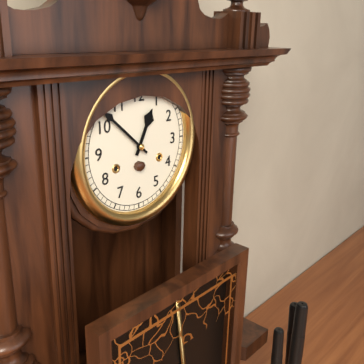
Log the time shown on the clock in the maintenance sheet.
12:52
